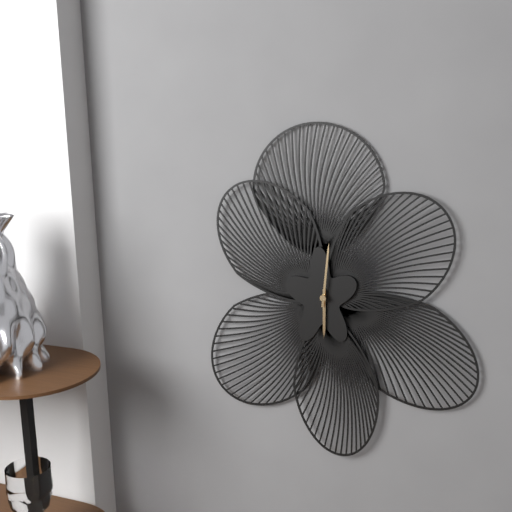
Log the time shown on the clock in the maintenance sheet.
6:01
